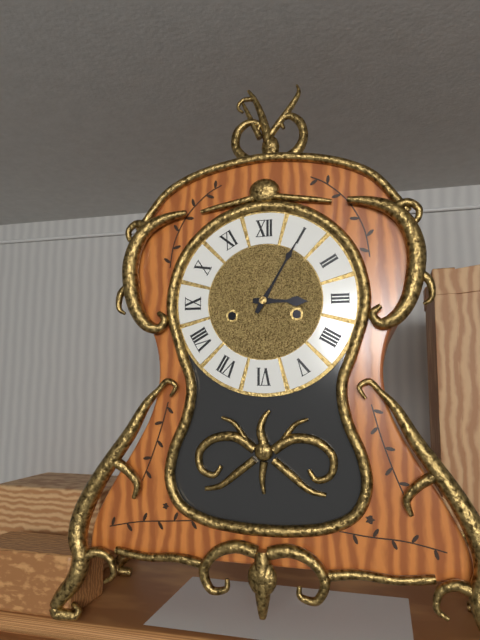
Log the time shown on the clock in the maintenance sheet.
3:05
